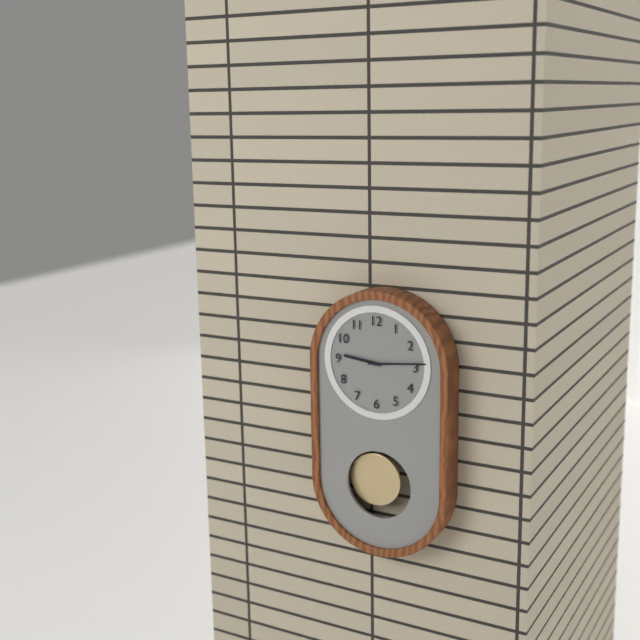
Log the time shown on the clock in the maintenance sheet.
9:14
